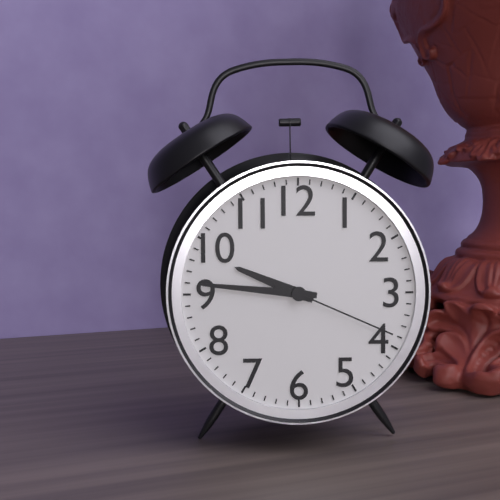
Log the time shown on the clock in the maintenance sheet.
9:46:19
